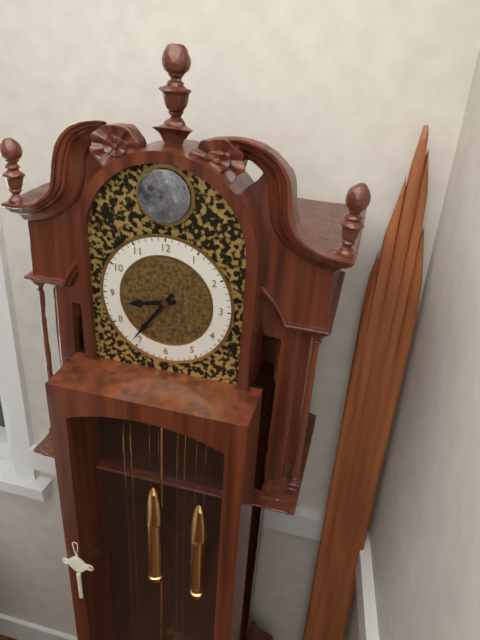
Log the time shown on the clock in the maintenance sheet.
8:36
